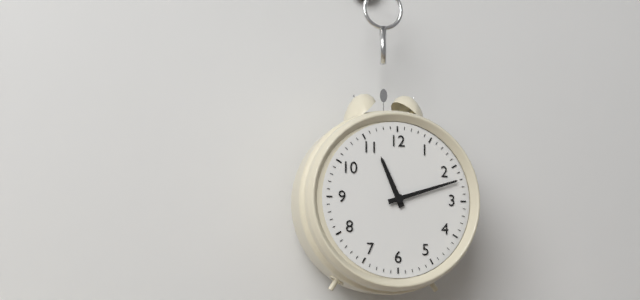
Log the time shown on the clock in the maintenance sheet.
11:12
